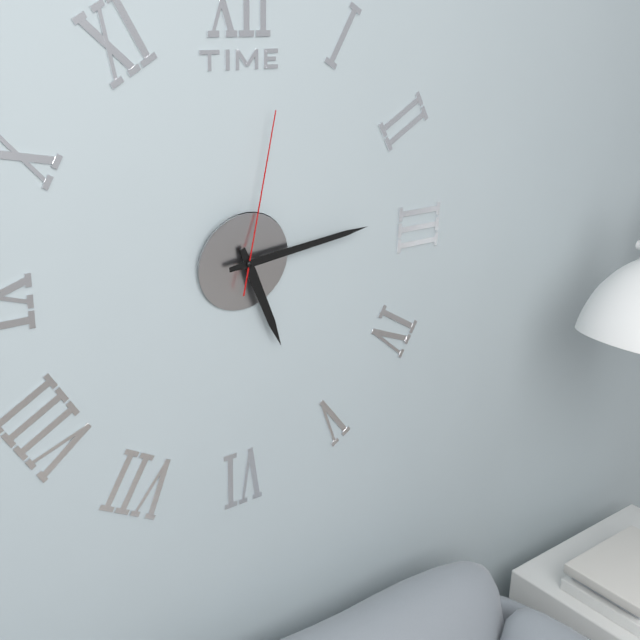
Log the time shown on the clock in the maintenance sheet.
5:14:02
